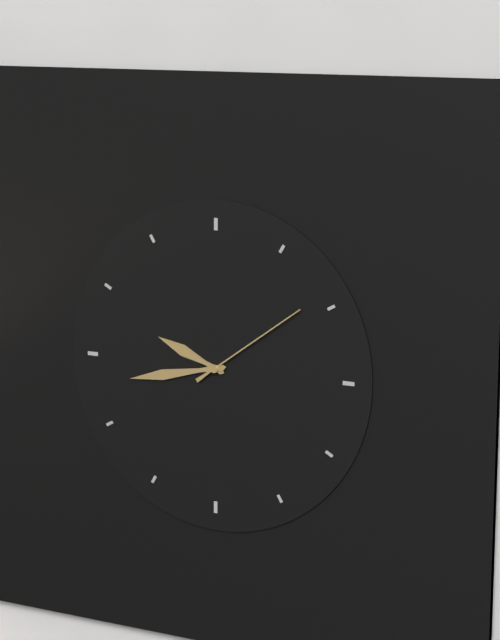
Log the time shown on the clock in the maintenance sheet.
9:43:09
